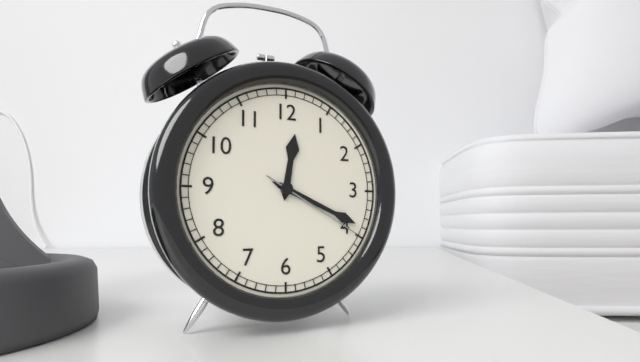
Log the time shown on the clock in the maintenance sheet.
12:19:20
